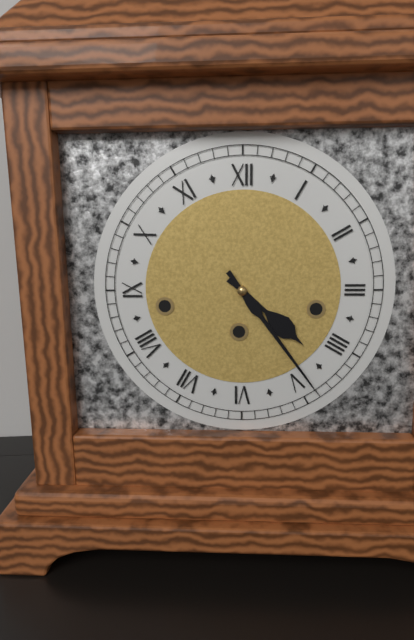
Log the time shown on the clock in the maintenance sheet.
4:24
